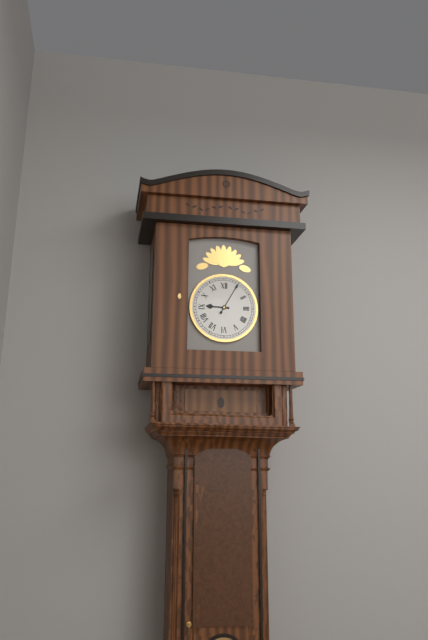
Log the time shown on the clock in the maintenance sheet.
9:05
